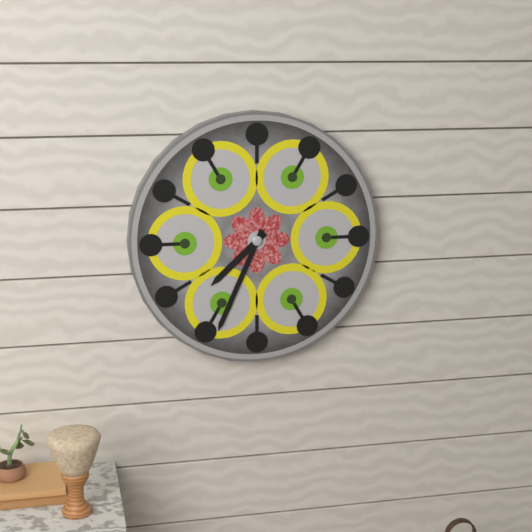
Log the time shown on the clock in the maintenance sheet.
7:34
